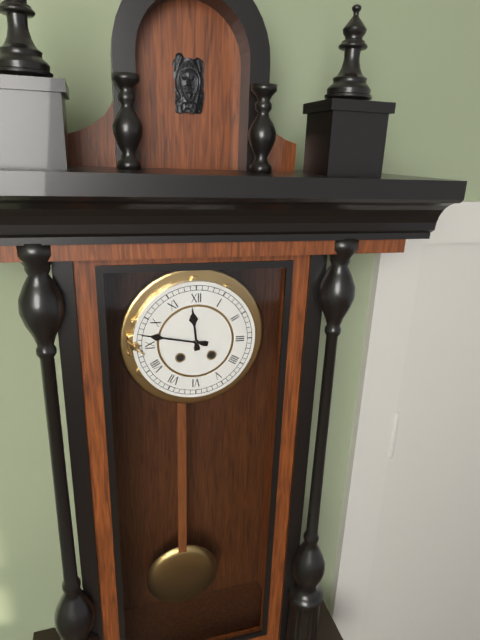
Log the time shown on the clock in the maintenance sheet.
11:47
